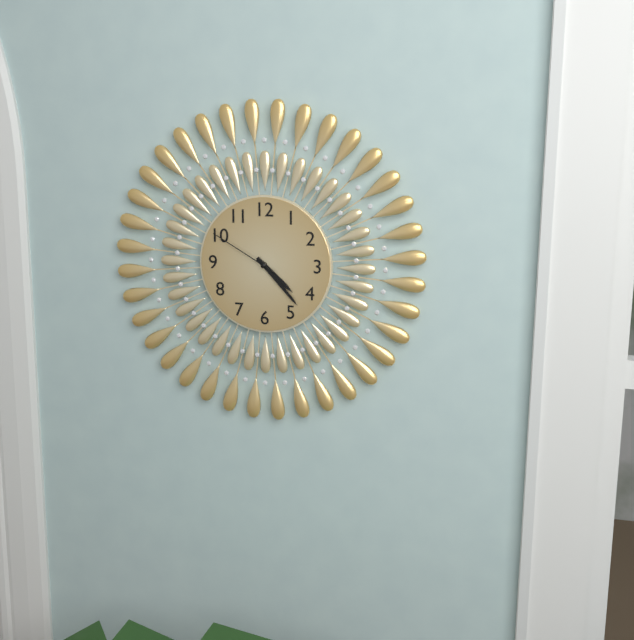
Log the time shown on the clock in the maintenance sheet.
4:23:50
